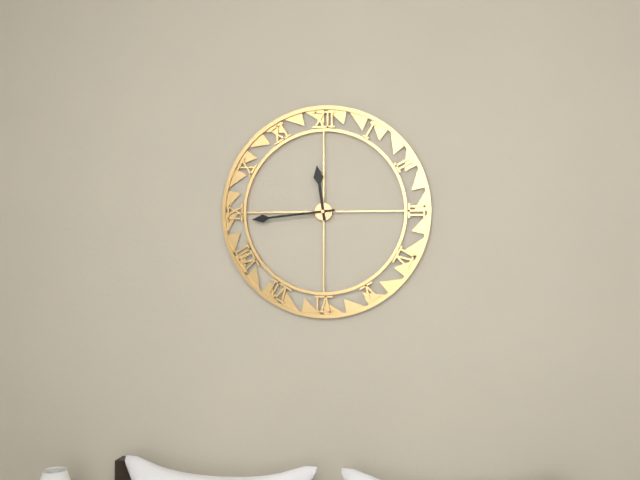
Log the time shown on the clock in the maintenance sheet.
11:44
